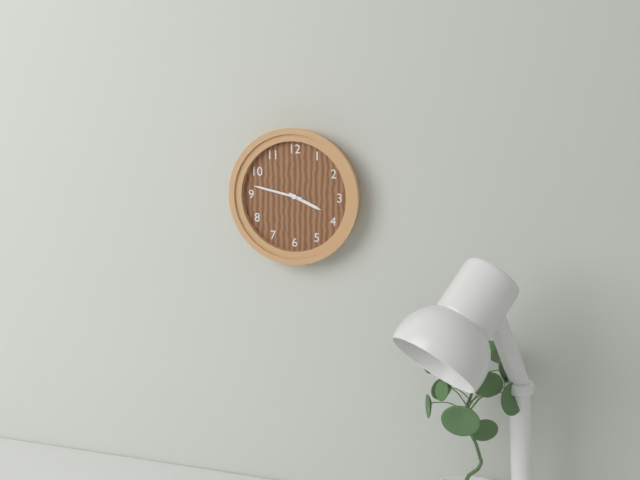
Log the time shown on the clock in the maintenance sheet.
3:47
